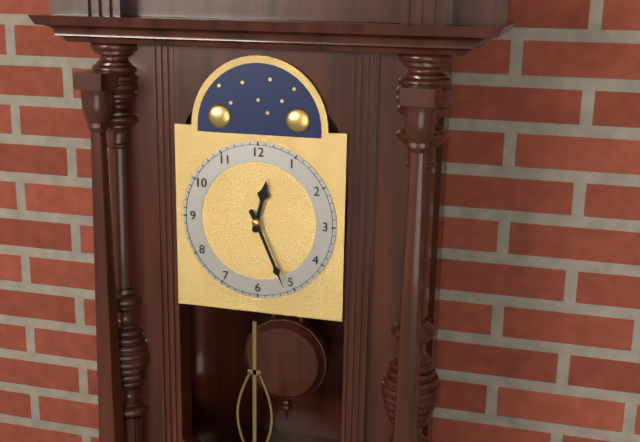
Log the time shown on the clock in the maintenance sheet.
12:26
